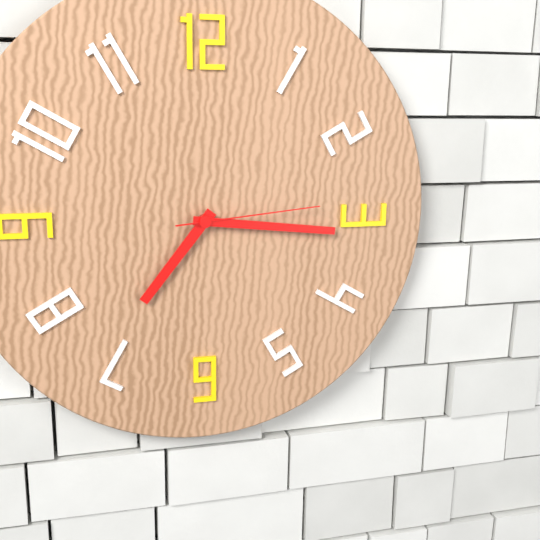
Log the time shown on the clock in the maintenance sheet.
7:16:14
